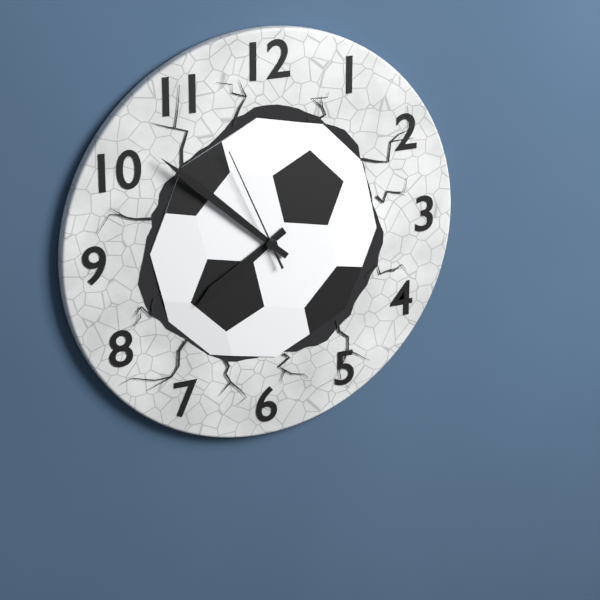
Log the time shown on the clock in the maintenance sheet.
7:52:56
